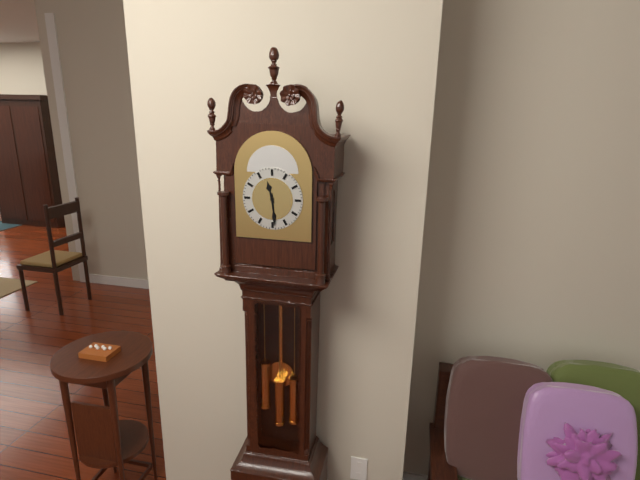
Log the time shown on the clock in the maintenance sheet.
11:29
